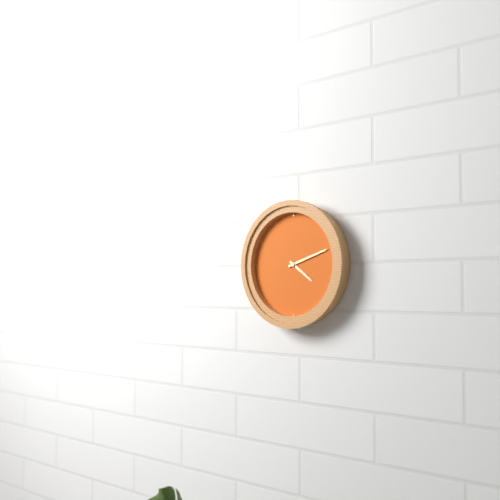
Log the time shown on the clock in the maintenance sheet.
4:12
